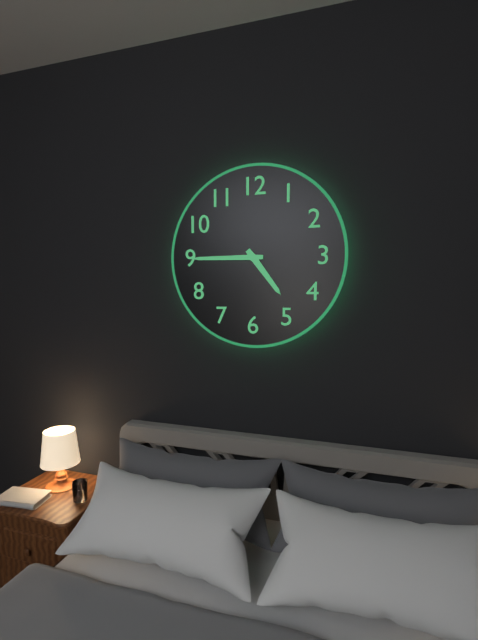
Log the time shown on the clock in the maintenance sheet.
4:45
